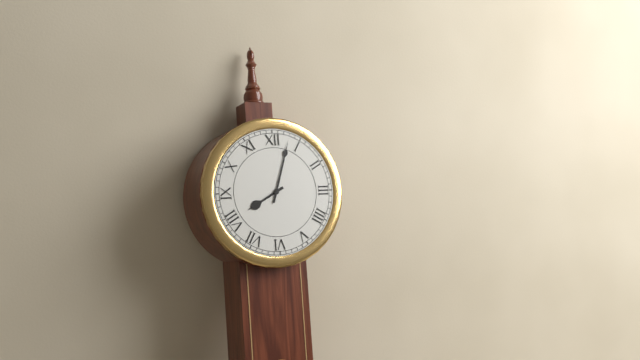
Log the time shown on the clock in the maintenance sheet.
8:03
